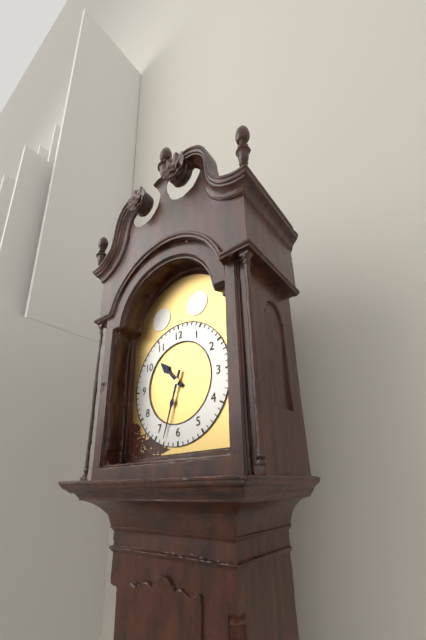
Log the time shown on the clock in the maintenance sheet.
10:33
